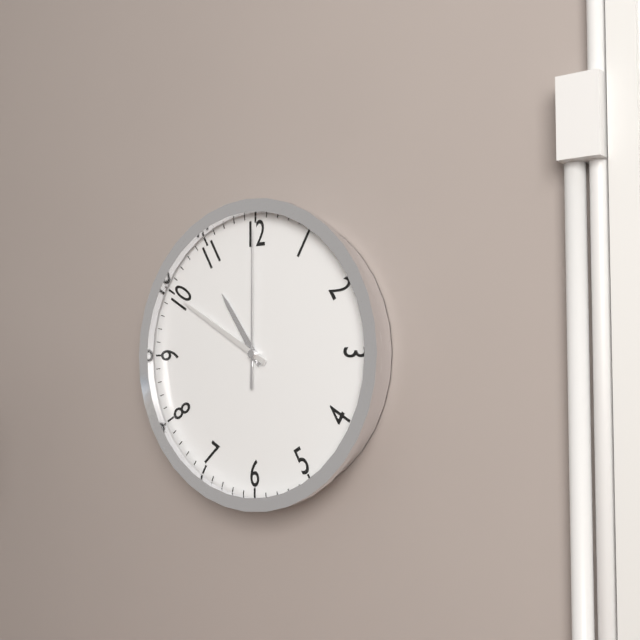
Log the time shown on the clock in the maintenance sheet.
10:50:00
